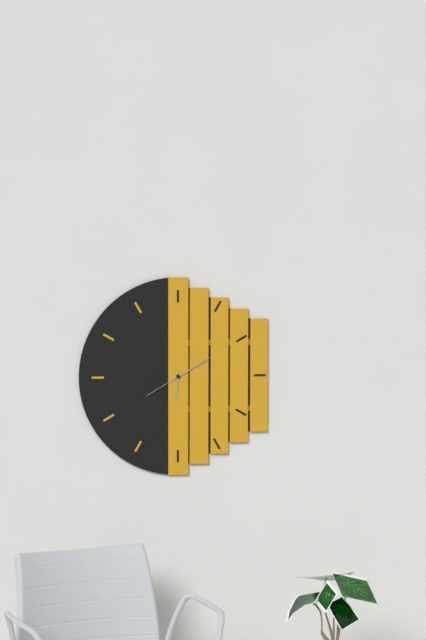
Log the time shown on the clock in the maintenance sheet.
6:10
